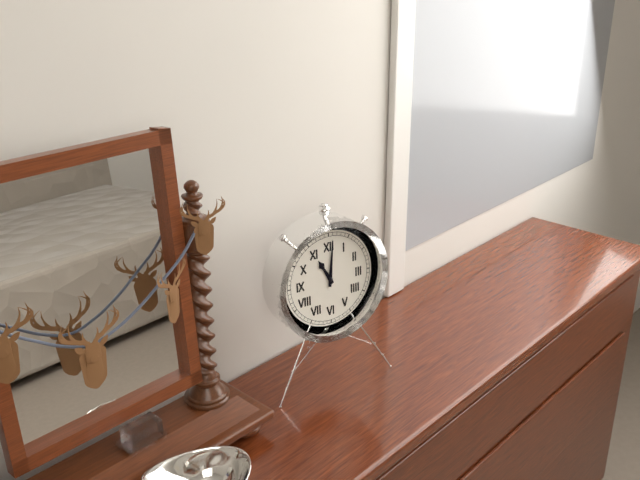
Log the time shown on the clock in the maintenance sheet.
11:01
